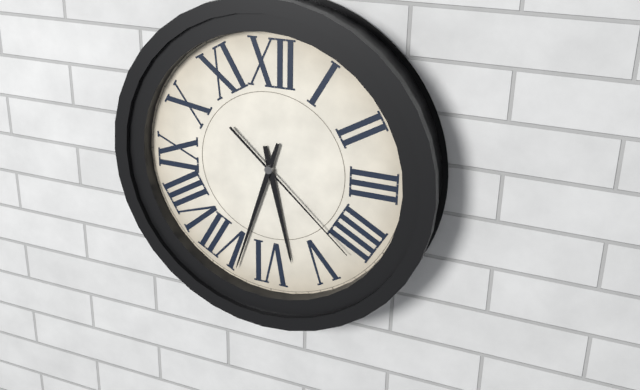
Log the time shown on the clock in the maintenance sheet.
5:33:22
